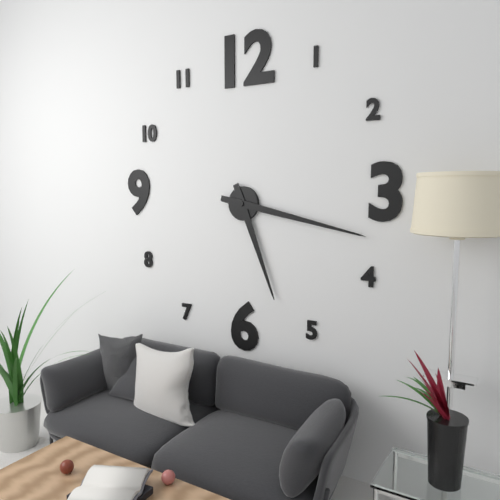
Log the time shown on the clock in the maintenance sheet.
5:17
